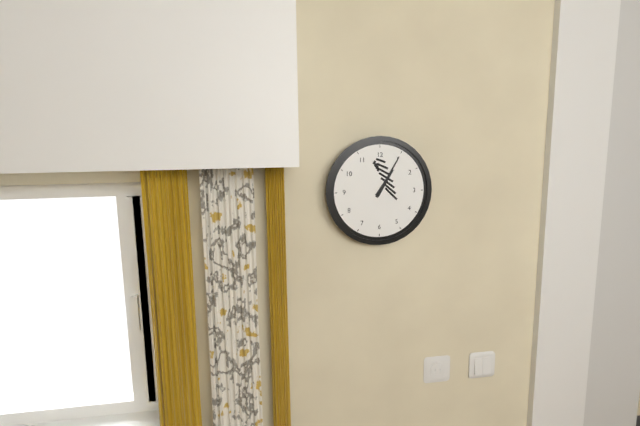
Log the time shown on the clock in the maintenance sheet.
1:05
